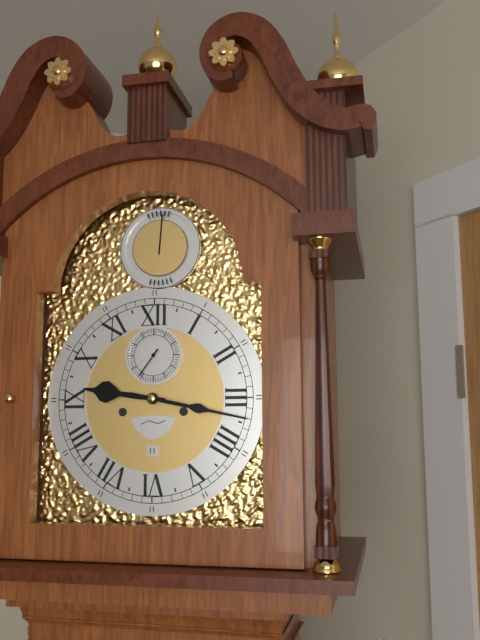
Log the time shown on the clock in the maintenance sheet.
9:17
